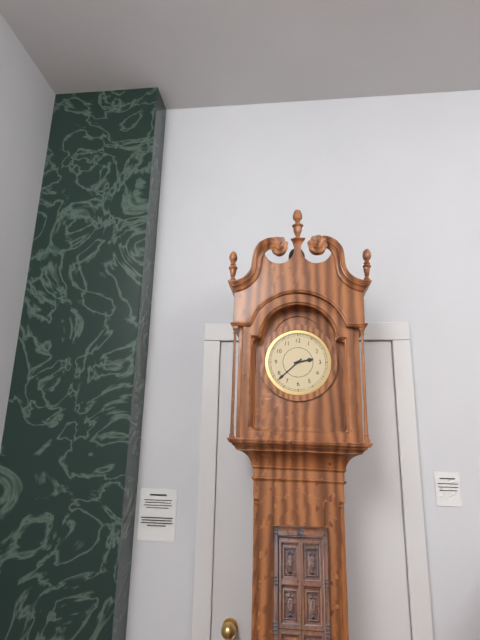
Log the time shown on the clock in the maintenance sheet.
2:38
